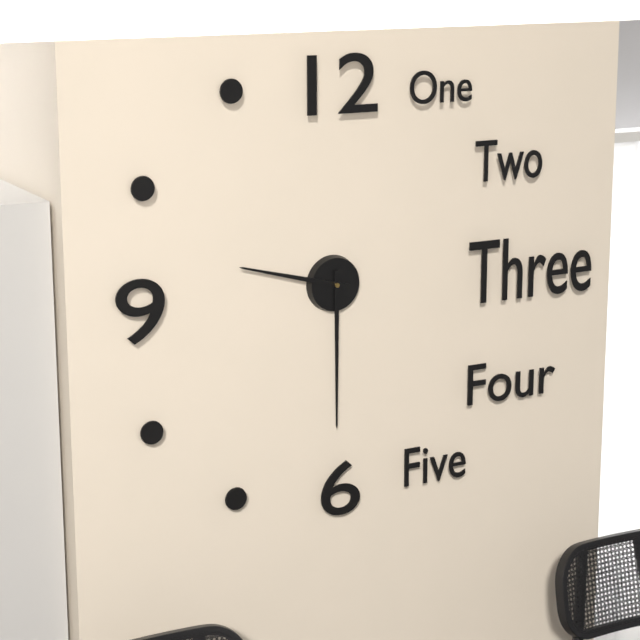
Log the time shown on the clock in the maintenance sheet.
9:30
